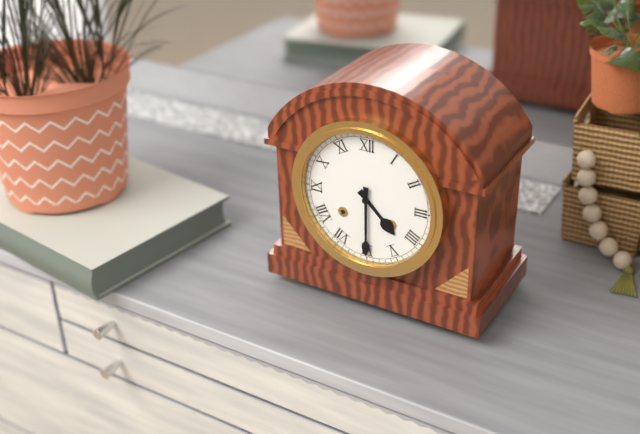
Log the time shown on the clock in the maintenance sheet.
4:30
